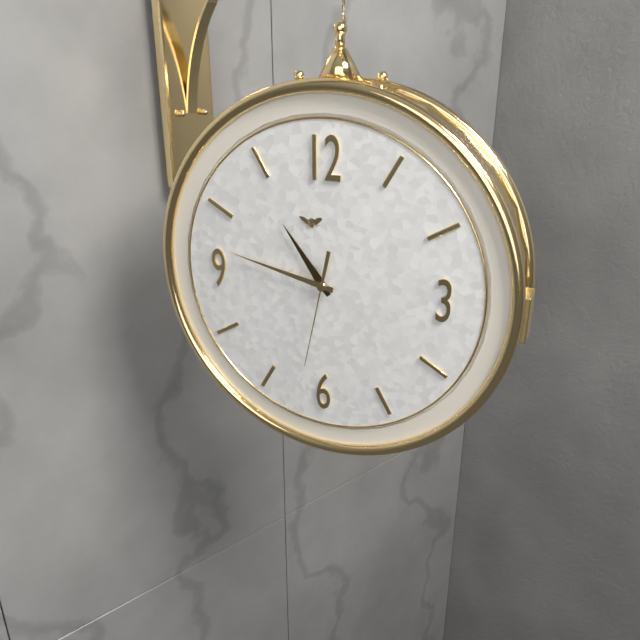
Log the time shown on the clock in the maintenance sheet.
10:47:32
